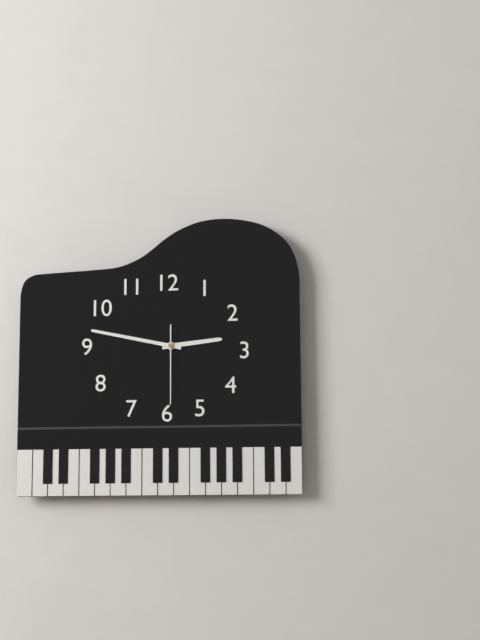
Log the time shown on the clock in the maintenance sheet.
2:47:30
